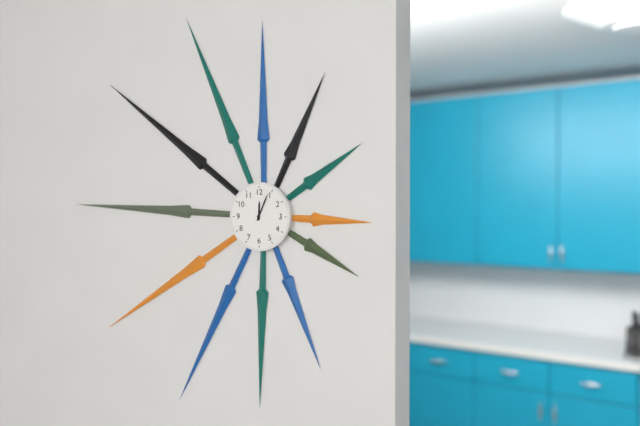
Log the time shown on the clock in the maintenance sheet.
12:04
